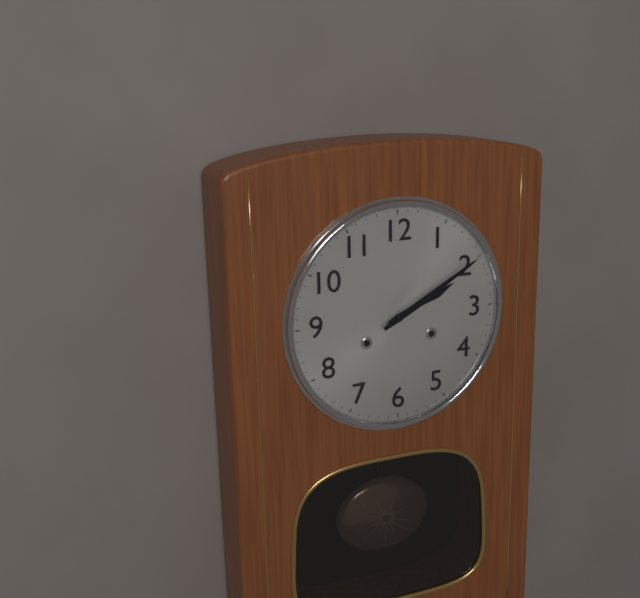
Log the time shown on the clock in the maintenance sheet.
2:10
